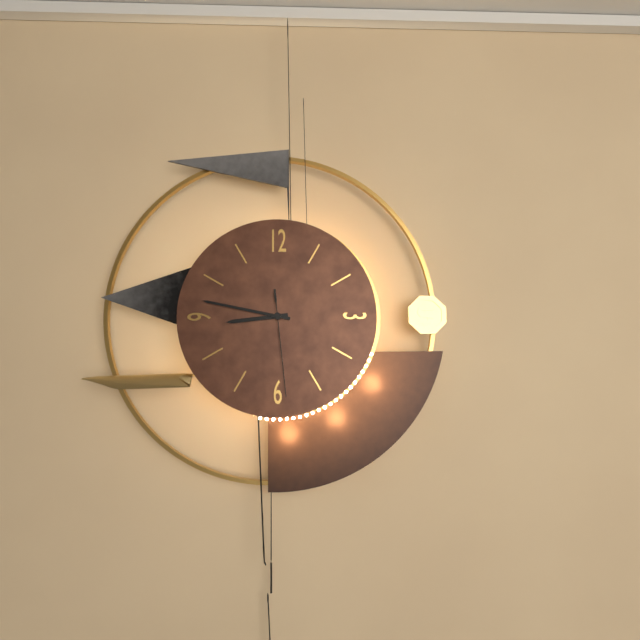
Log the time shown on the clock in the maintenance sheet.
8:47:29
